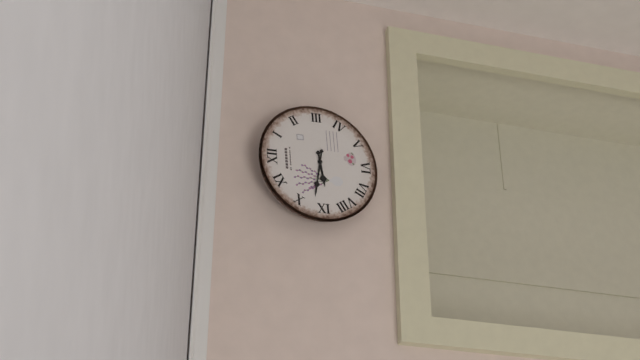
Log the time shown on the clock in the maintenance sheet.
8:47
